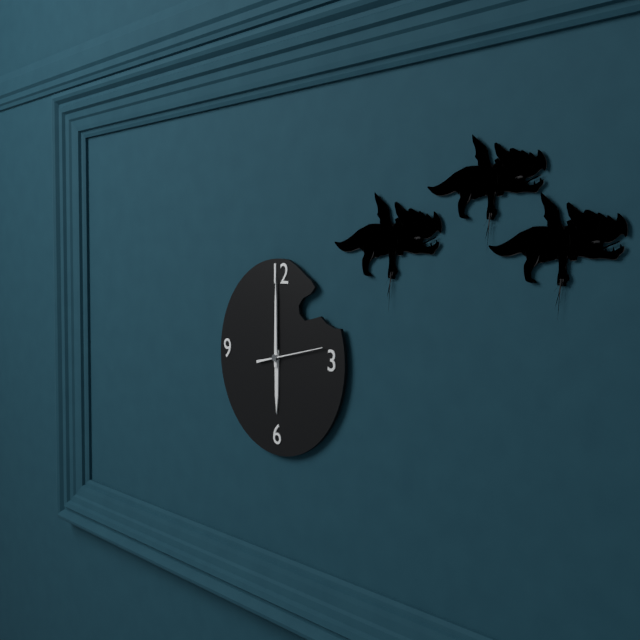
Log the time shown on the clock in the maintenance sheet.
6:00:13
